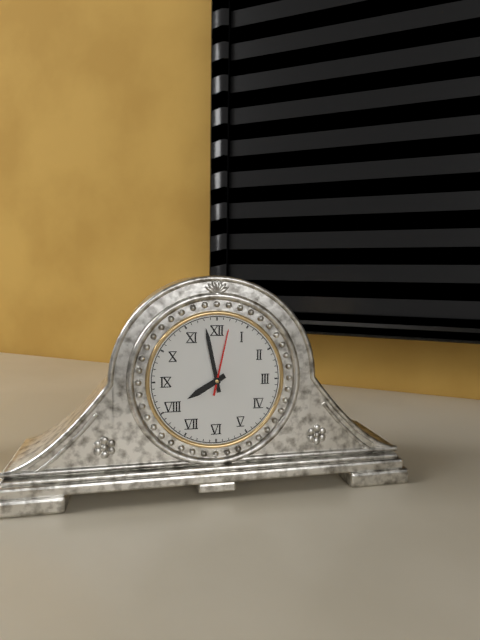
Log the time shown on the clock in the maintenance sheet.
7:58:02
